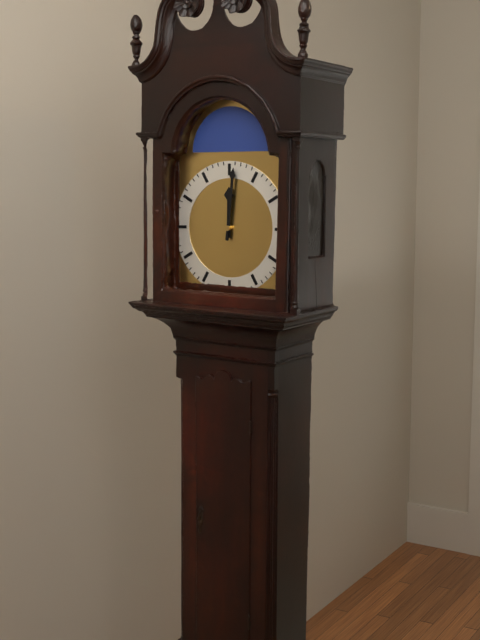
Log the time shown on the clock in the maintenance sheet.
12:01
